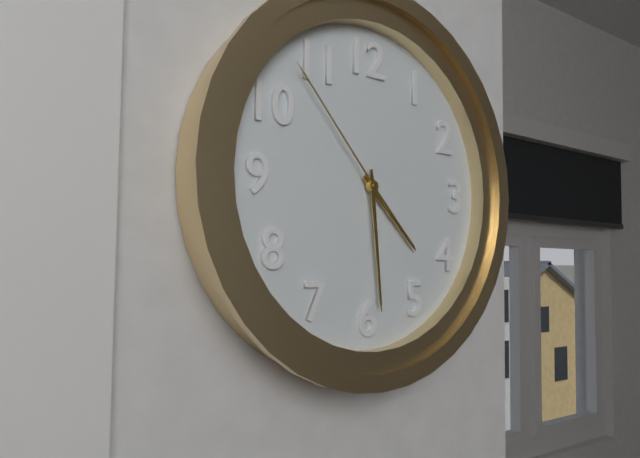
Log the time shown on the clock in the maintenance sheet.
4:29:53
